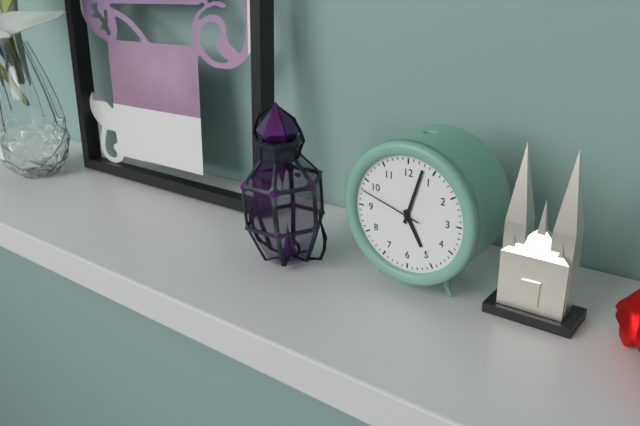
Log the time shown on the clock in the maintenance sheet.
5:03:48
